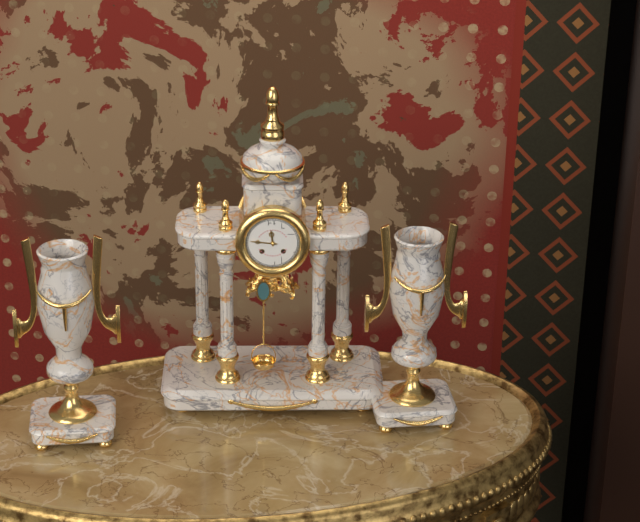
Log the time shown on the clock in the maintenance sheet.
11:46
